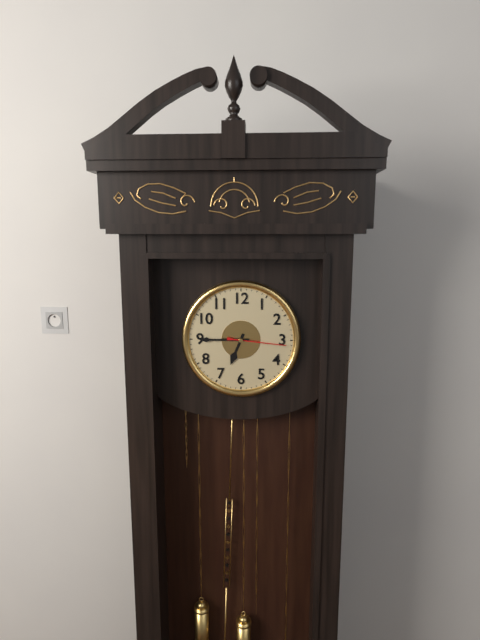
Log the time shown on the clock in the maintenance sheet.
6:45:16
